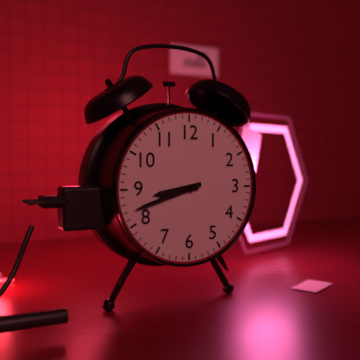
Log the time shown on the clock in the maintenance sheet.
8:42
